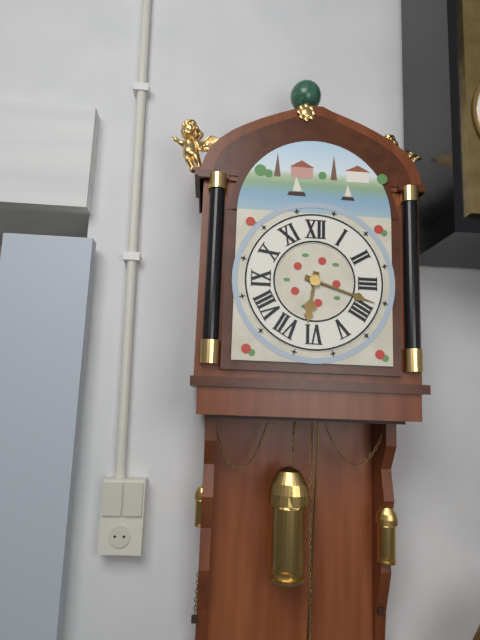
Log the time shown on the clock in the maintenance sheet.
6:18
